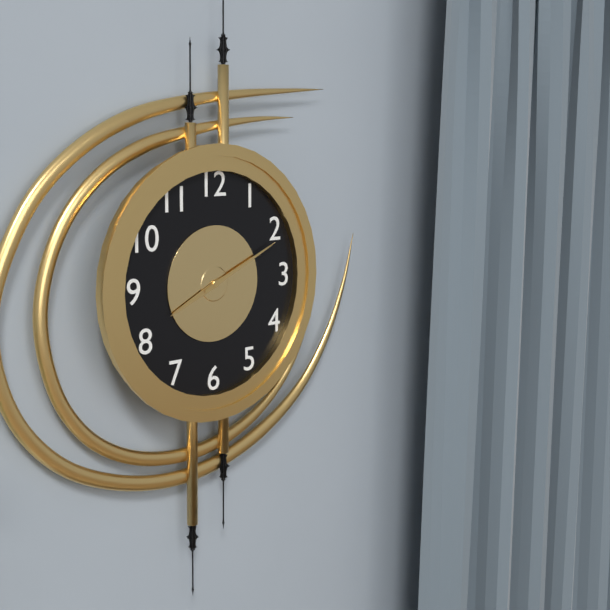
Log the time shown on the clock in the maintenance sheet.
8:11
